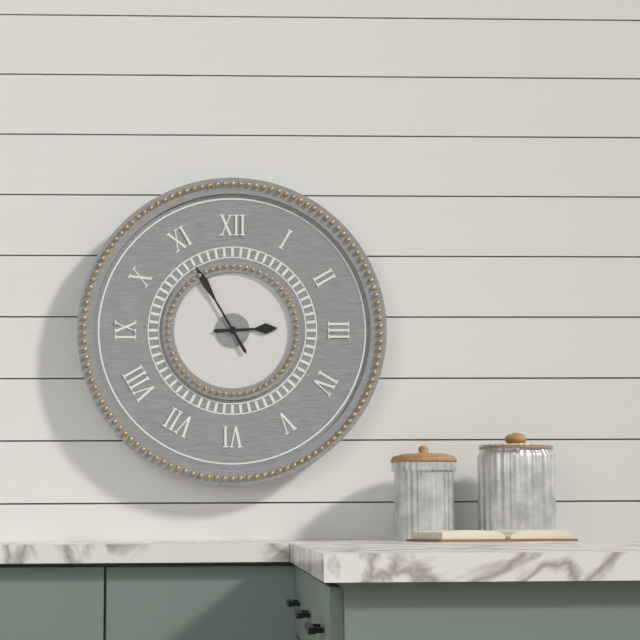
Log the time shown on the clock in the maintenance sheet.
2:55
